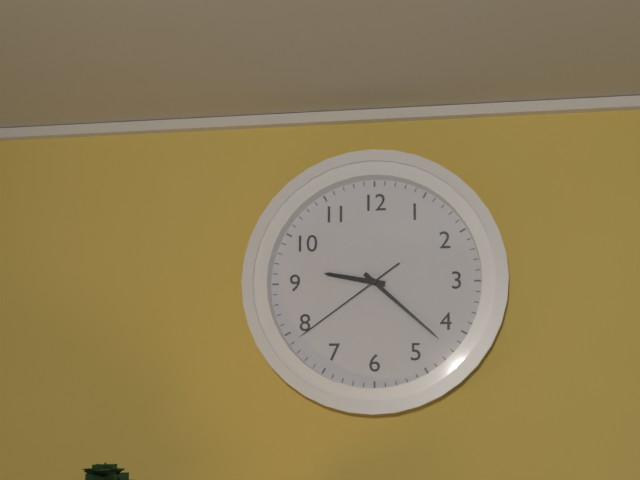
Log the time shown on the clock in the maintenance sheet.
9:22:39
